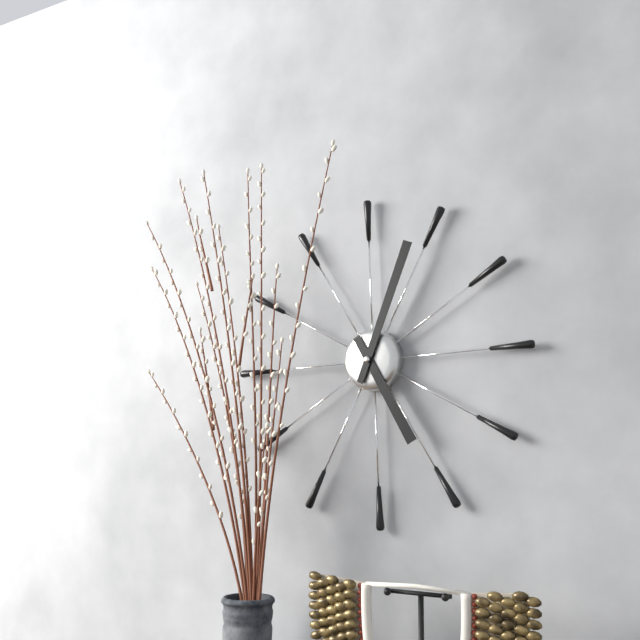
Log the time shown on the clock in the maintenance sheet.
5:04
